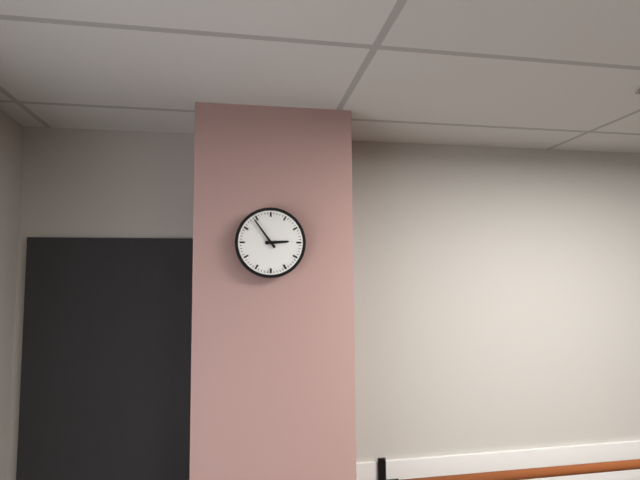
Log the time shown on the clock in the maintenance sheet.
2:54
